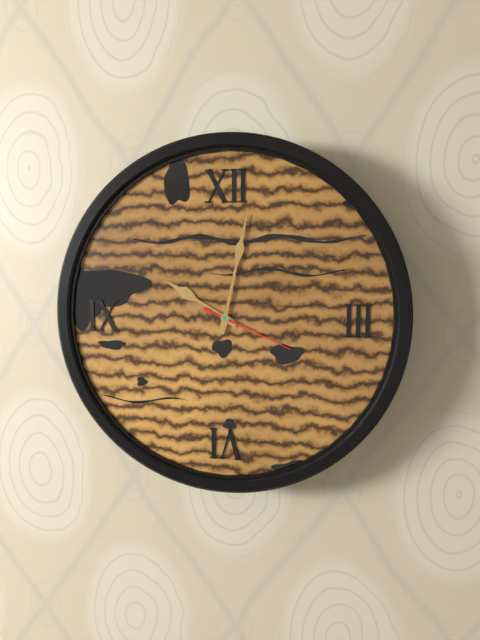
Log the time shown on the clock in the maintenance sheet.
10:02:19
